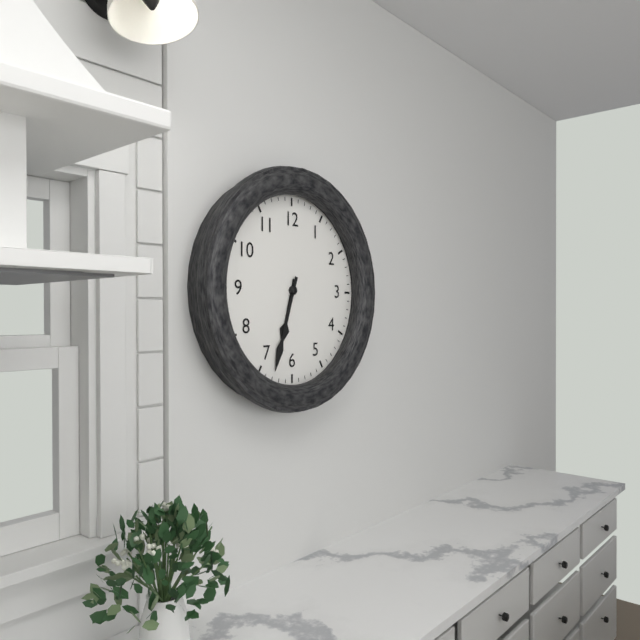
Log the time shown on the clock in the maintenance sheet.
6:33
